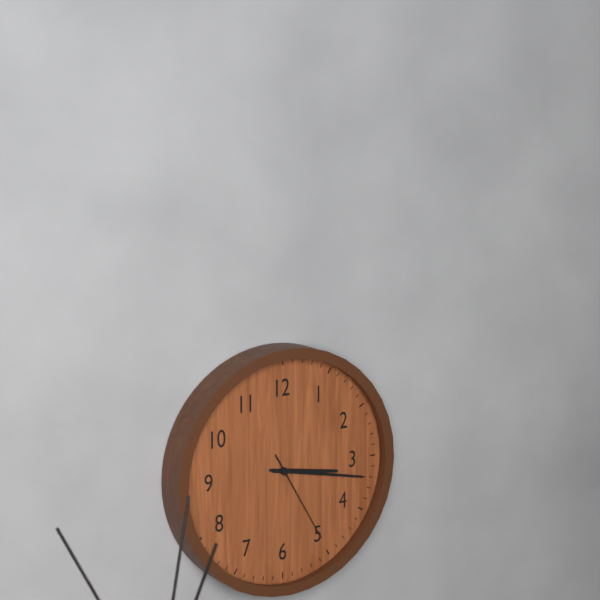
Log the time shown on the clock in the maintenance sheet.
3:17:25
